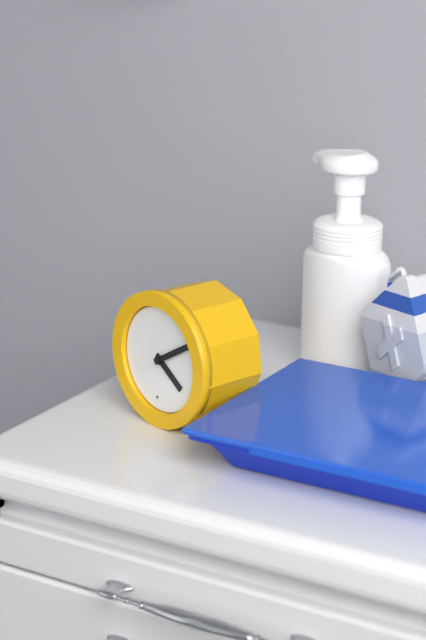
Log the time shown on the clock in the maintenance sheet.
4:10
